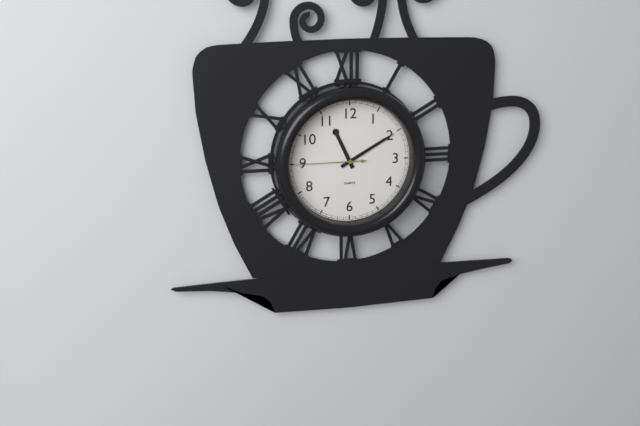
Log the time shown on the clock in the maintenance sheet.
11:10:45
